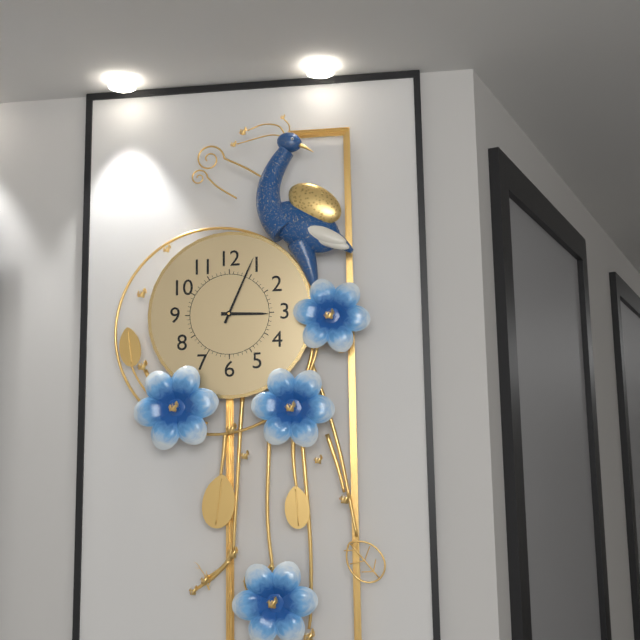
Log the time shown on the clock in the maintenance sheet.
3:04
